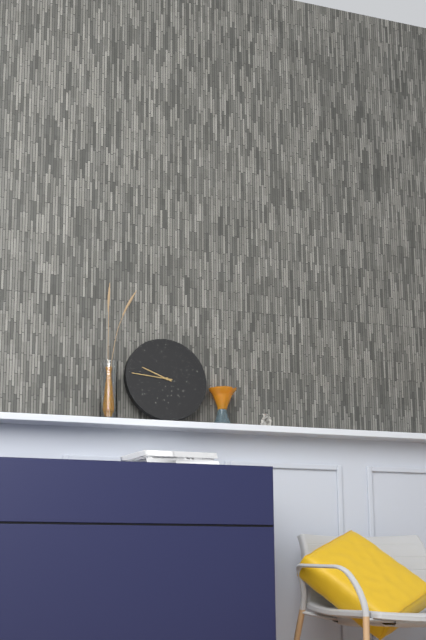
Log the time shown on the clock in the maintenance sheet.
9:46
